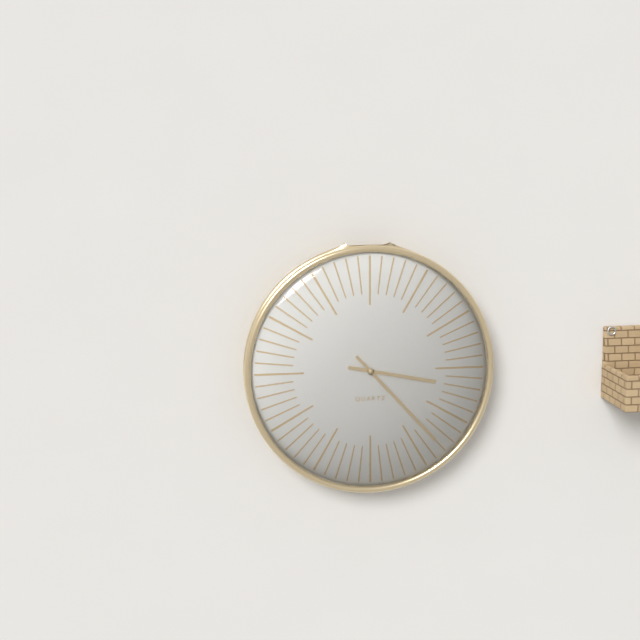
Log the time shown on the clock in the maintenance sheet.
3:23
